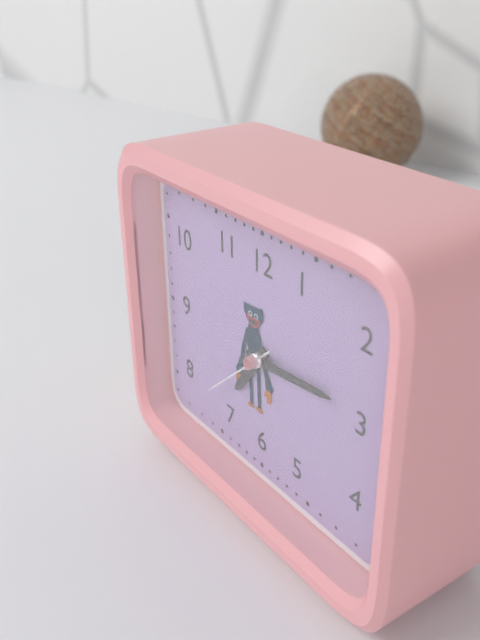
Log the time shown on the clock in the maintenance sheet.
7:14:38
